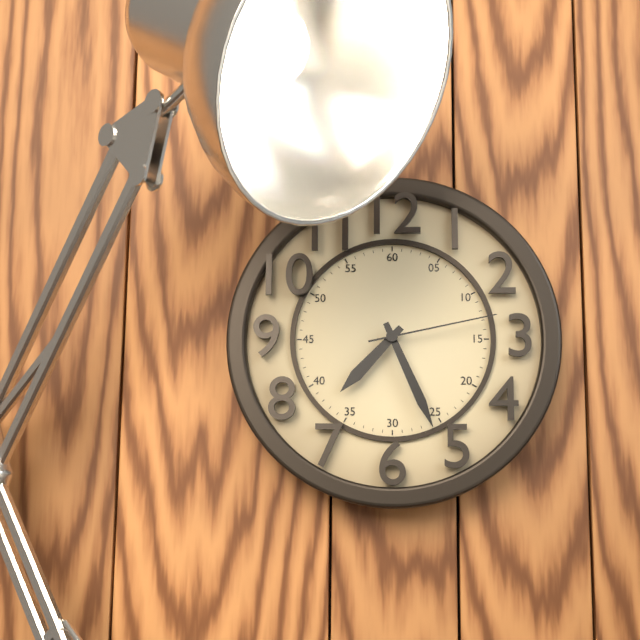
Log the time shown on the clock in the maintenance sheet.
7:26:13
